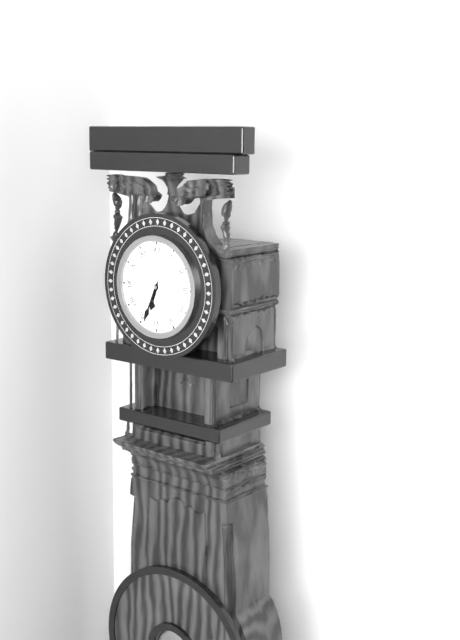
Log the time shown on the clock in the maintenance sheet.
6:34
